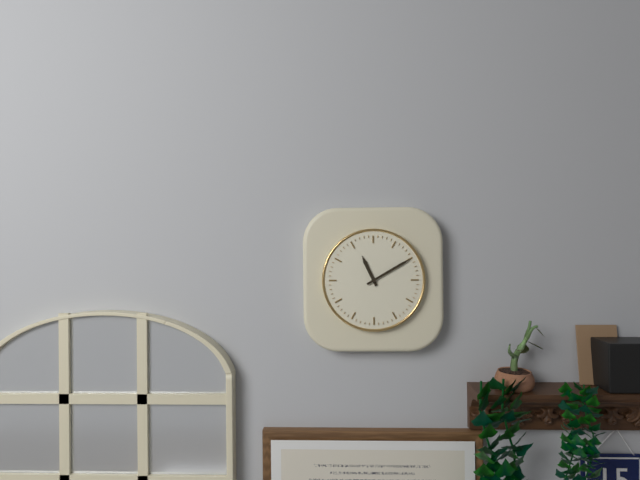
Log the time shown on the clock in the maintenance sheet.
11:10
